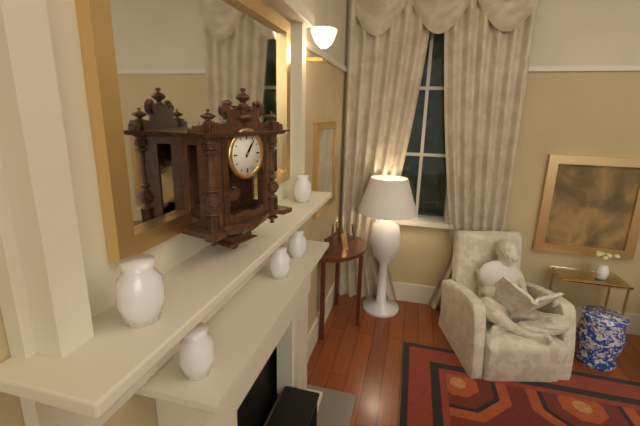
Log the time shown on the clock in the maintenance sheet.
1:06
